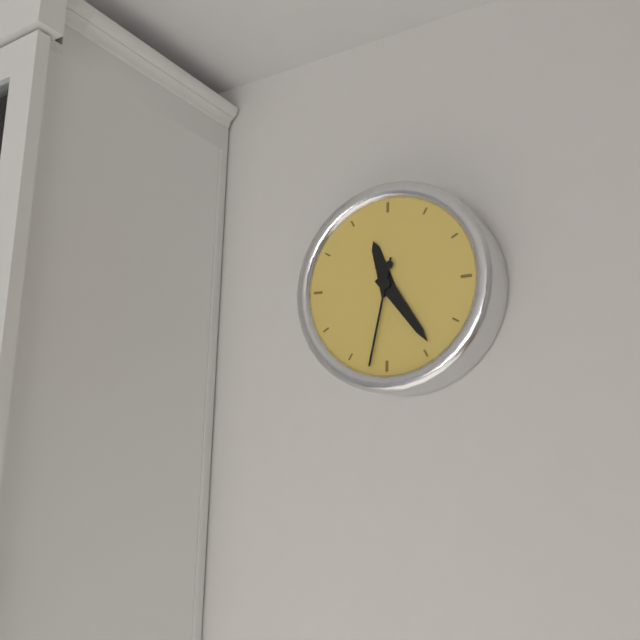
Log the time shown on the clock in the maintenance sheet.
11:24:32
